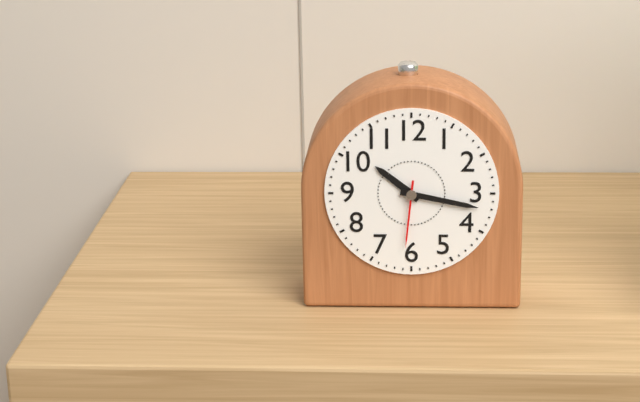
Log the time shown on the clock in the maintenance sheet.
10:17:31
